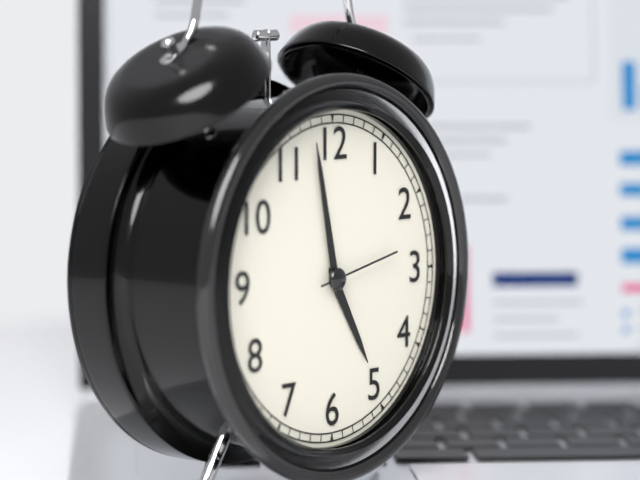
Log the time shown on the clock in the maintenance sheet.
4:58:13
